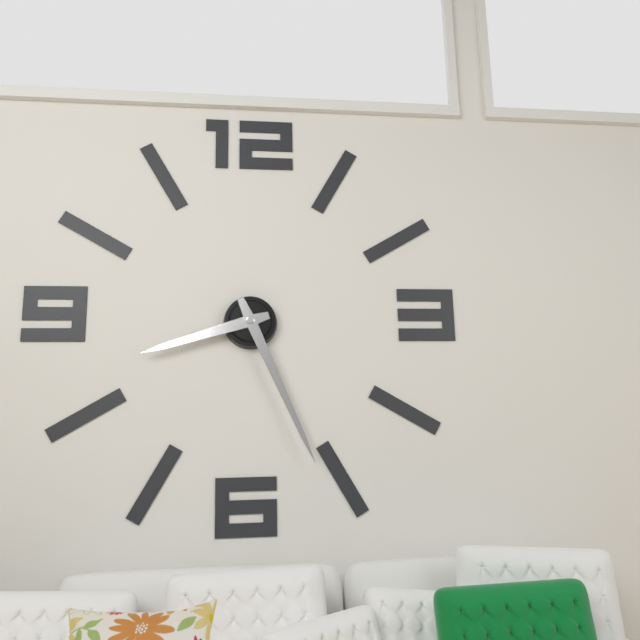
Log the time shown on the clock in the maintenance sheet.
8:26
